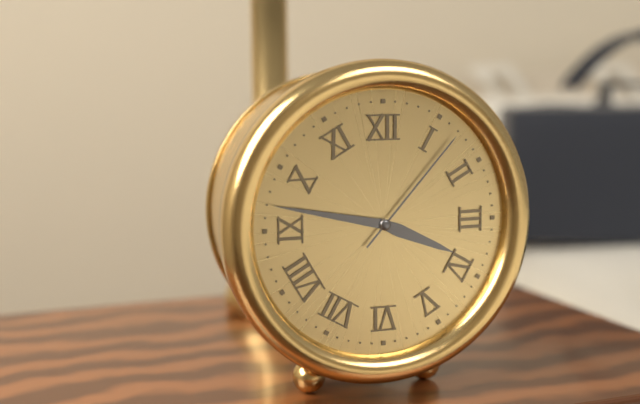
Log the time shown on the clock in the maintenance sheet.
3:47:07
